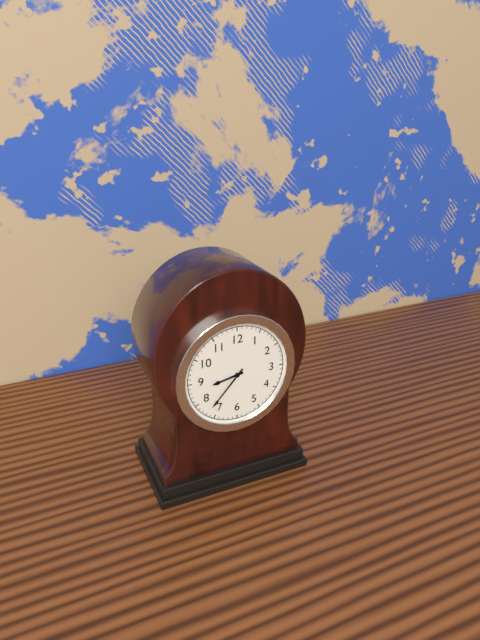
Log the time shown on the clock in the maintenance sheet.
8:37
